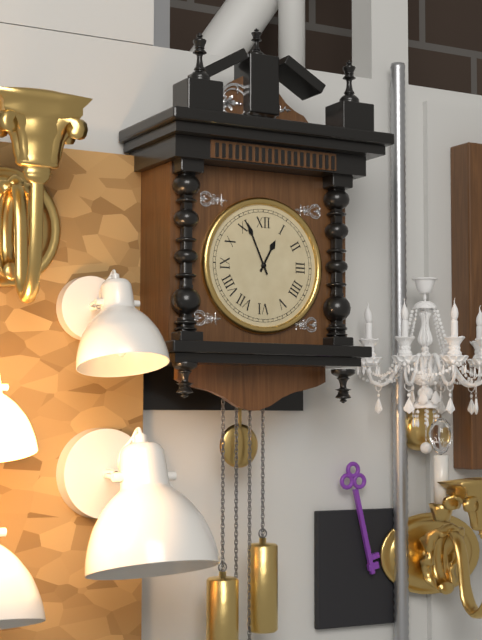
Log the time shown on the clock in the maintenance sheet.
12:56
